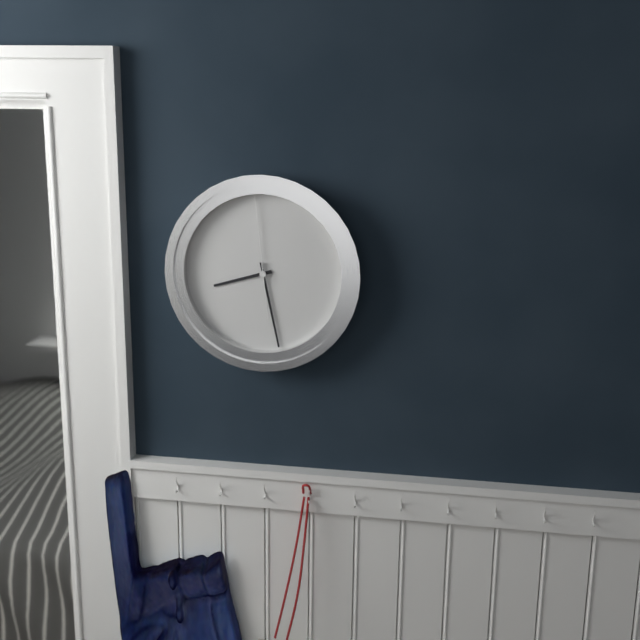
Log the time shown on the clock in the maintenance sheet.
8:28:59
